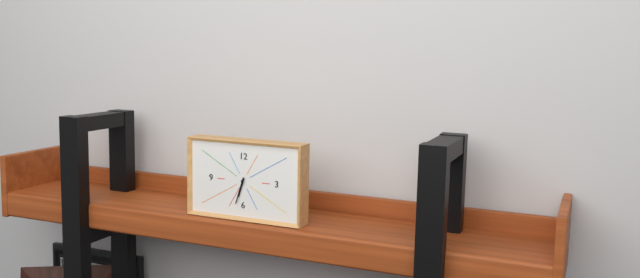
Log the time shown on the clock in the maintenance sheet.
6:33
